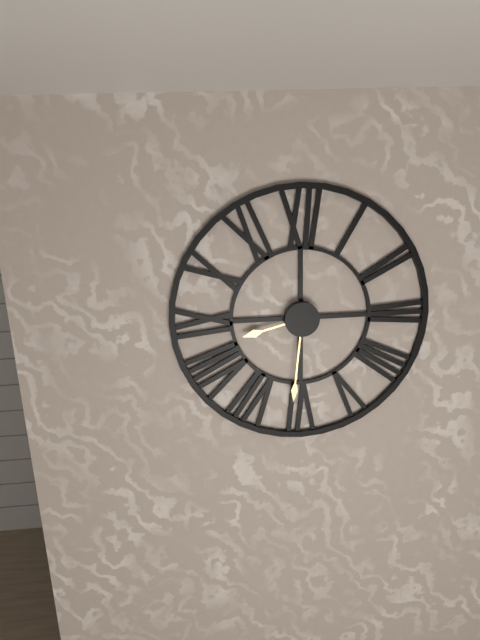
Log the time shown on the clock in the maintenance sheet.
8:31
